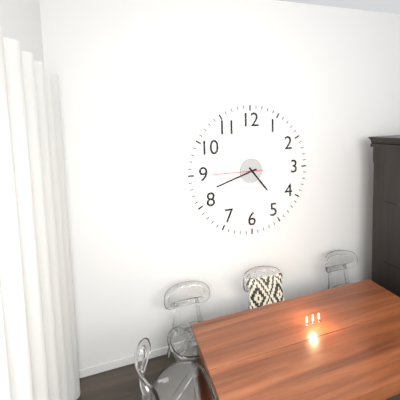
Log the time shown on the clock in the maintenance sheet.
4:42
